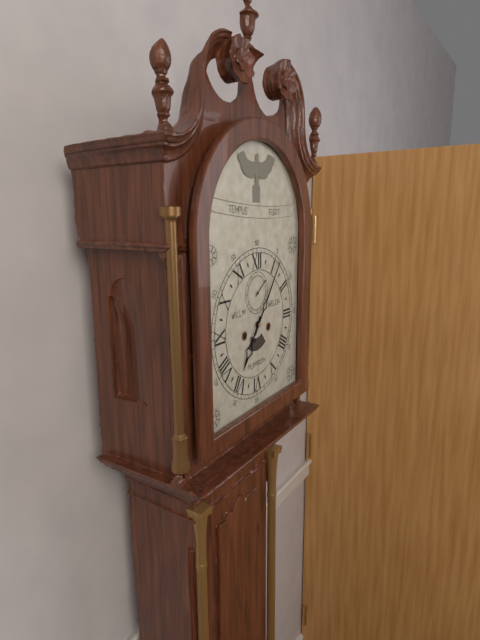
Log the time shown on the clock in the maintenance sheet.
7:06
